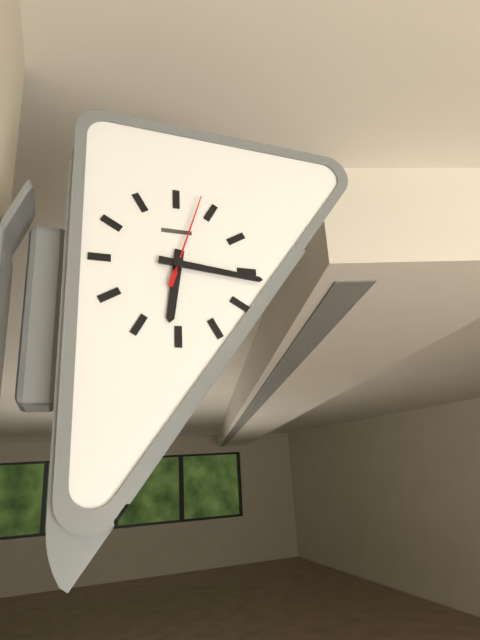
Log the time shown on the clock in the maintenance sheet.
6:16:03
